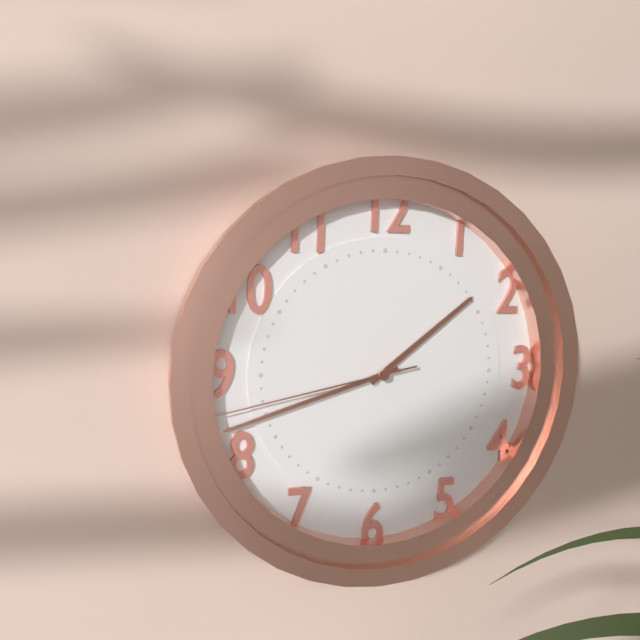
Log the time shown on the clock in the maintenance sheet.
1:42:43
